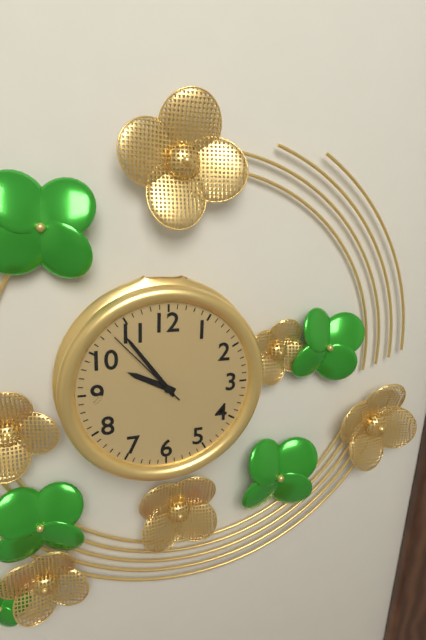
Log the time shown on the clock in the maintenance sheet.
9:54:53
